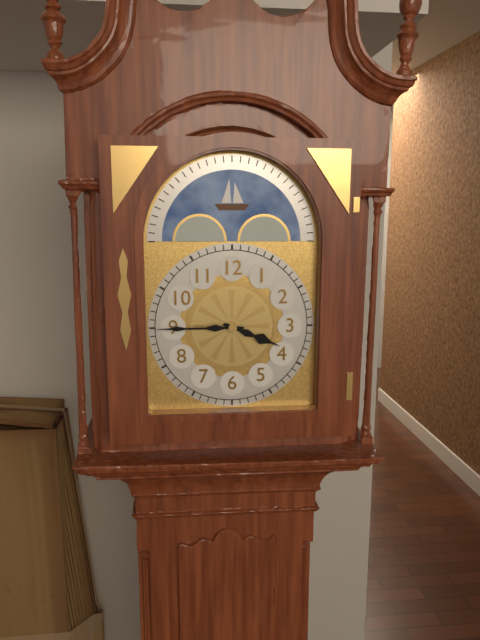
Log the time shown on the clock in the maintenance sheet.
3:45
